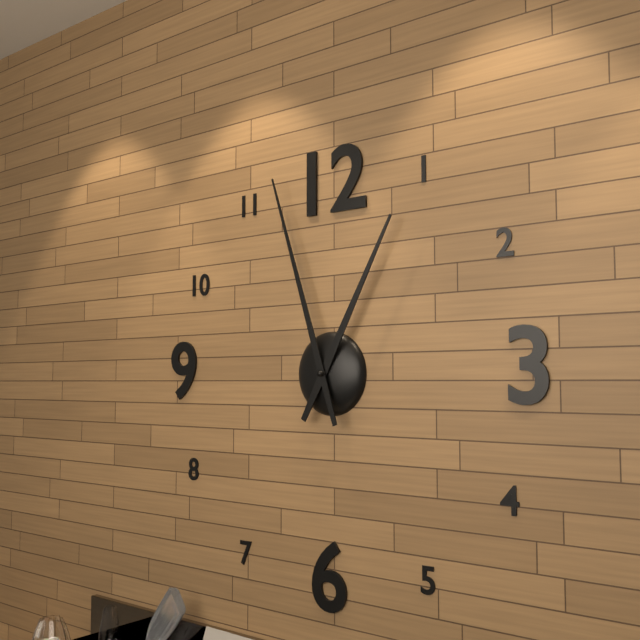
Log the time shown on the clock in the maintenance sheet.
12:57
